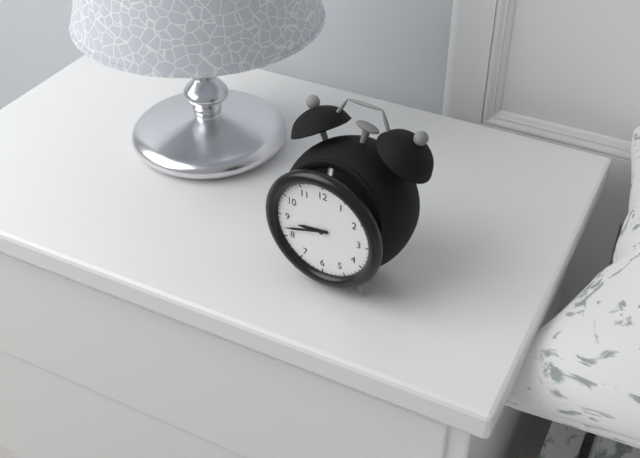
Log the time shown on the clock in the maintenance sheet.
8:42
